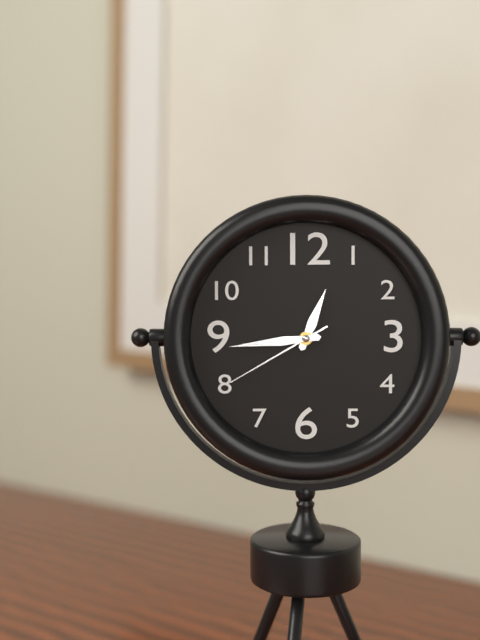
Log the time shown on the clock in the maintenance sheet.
12:44:40
